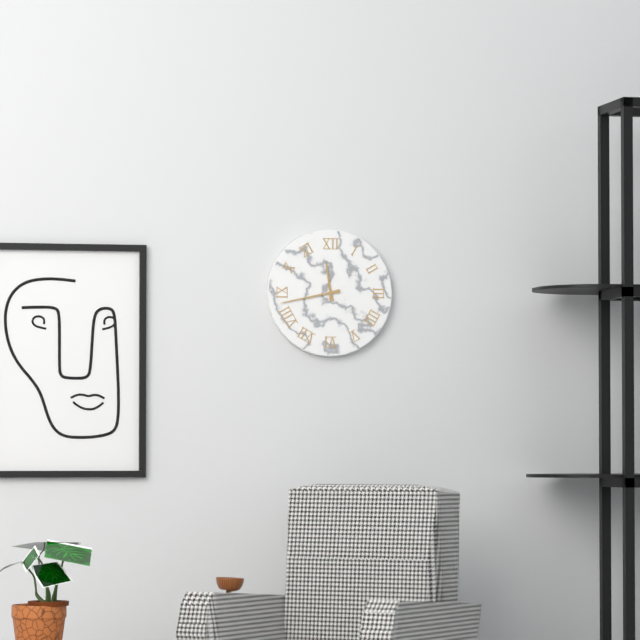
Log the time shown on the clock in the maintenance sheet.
11:43
